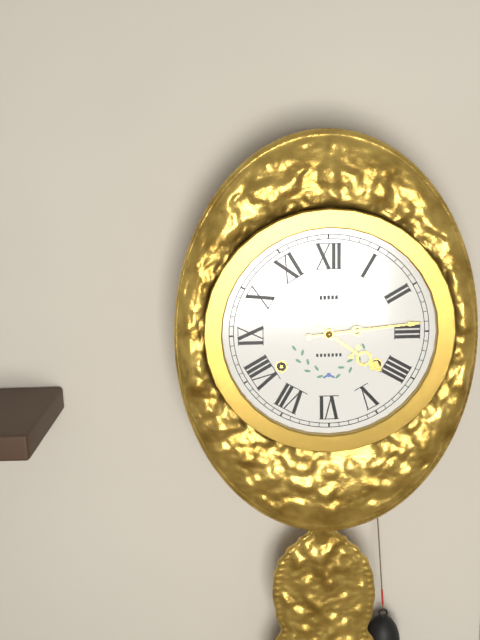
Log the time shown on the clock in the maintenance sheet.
4:14
